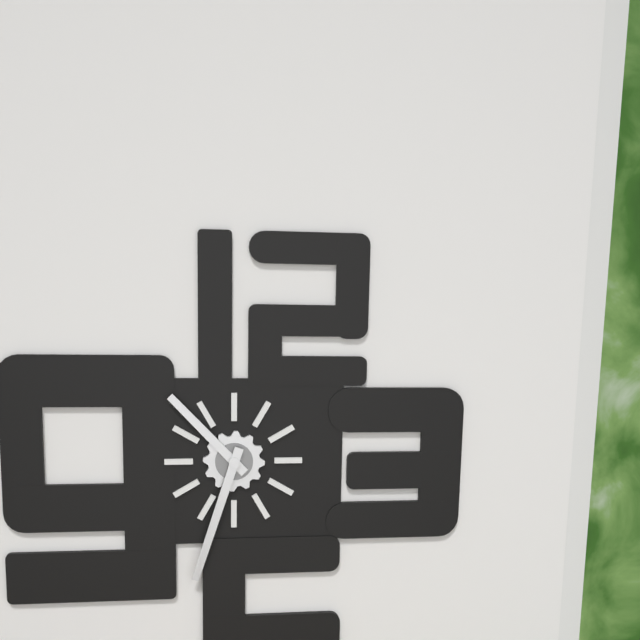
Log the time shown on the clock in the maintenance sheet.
10:33
